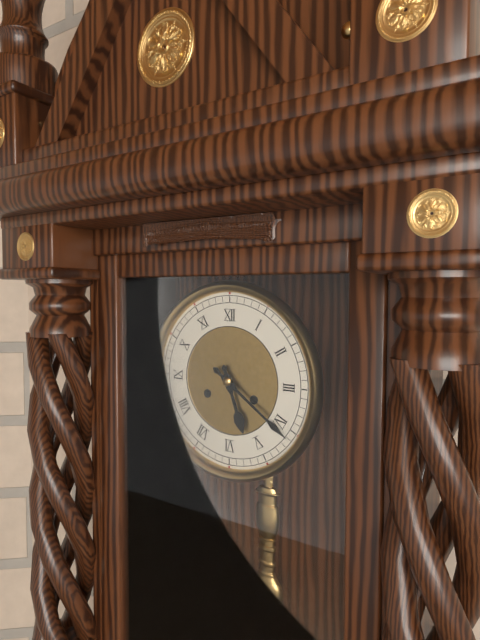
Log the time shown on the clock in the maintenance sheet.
5:21
